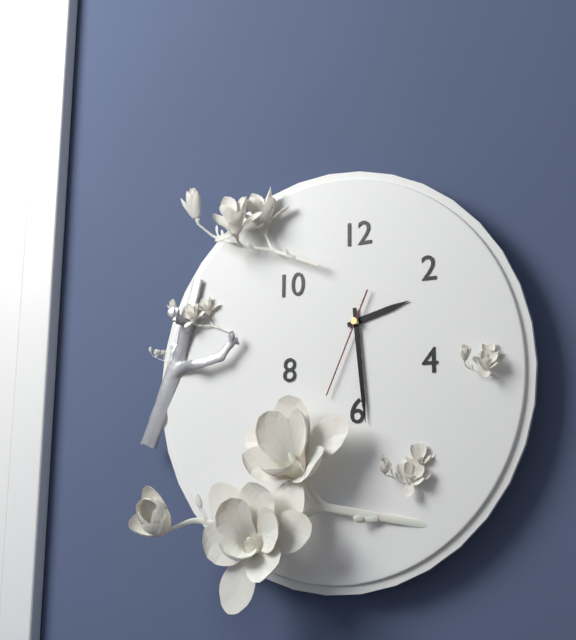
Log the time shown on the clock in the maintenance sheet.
2:29:34
